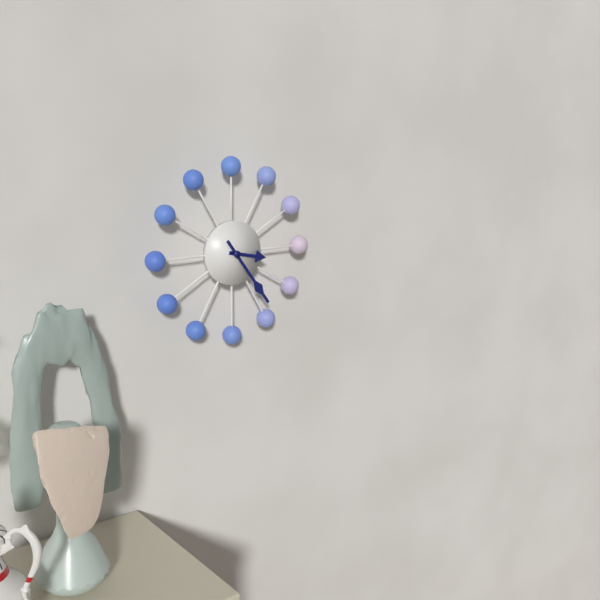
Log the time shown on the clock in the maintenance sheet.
3:24
